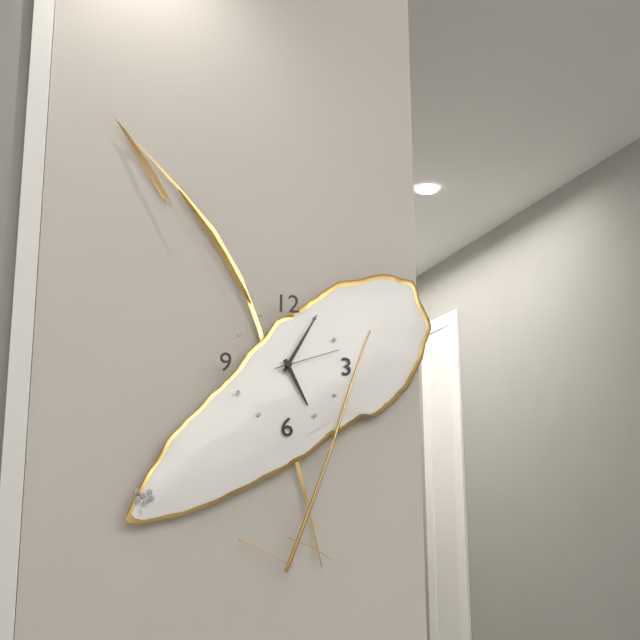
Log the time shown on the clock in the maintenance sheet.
5:05:12
